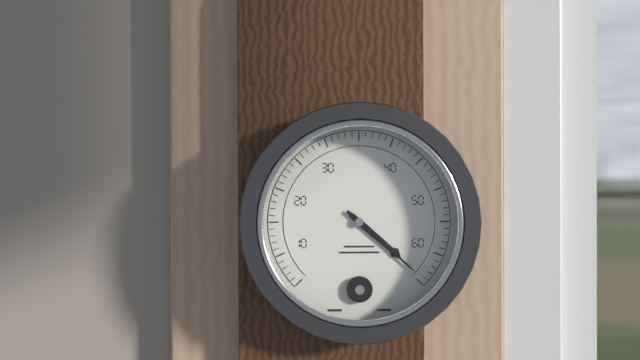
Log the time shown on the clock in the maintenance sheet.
4:22
